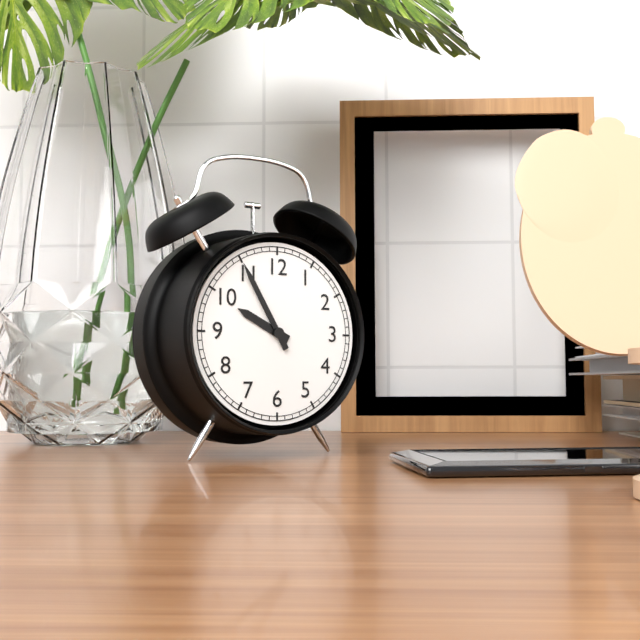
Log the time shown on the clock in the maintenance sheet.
9:55
